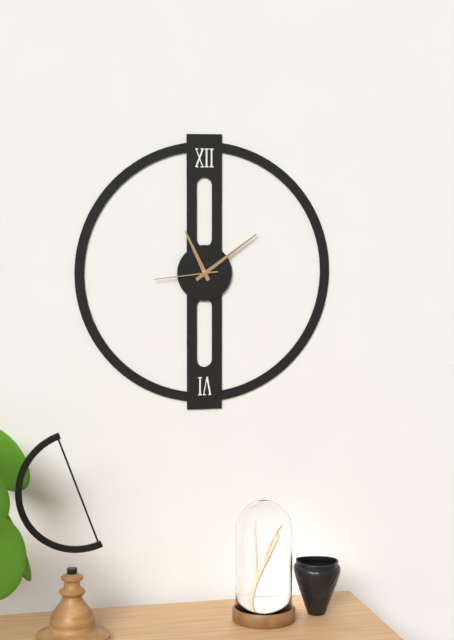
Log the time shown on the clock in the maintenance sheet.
11:09:44
